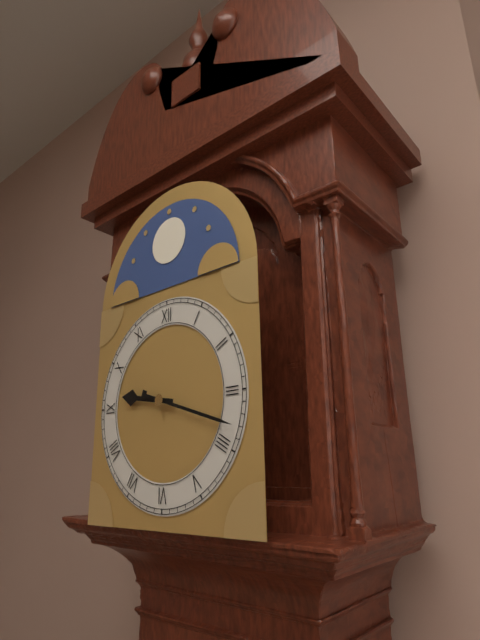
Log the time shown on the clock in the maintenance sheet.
9:18
